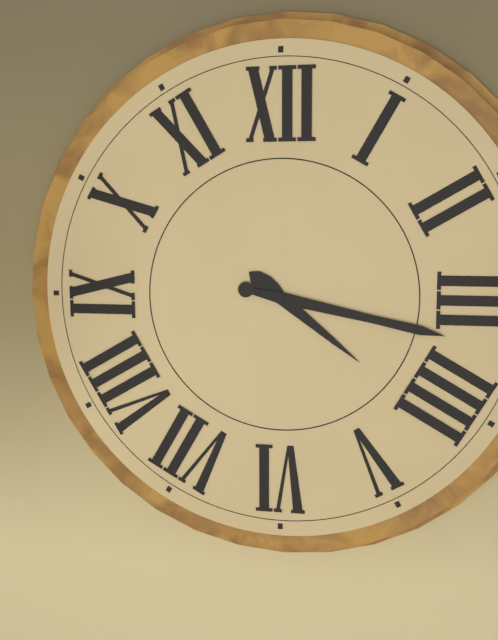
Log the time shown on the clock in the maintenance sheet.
4:17
